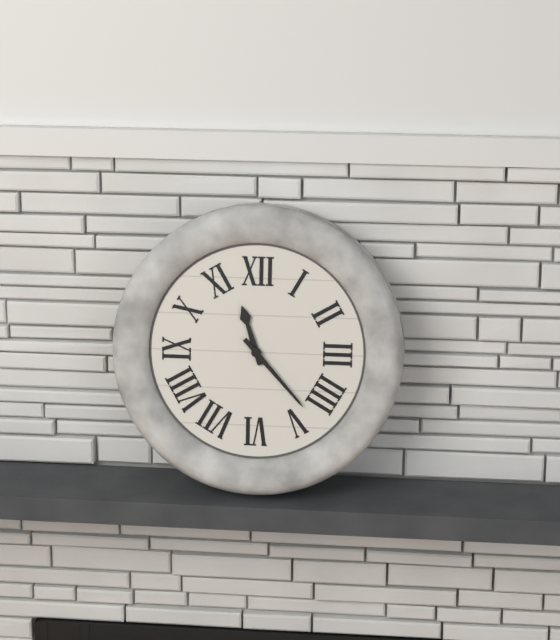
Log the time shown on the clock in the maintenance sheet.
11:23
